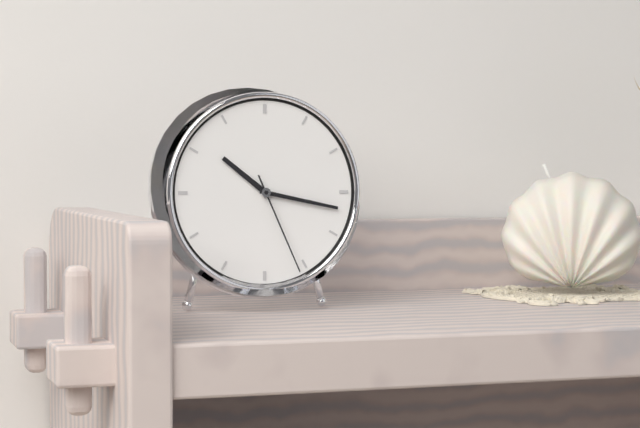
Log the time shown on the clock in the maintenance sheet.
10:17:26
